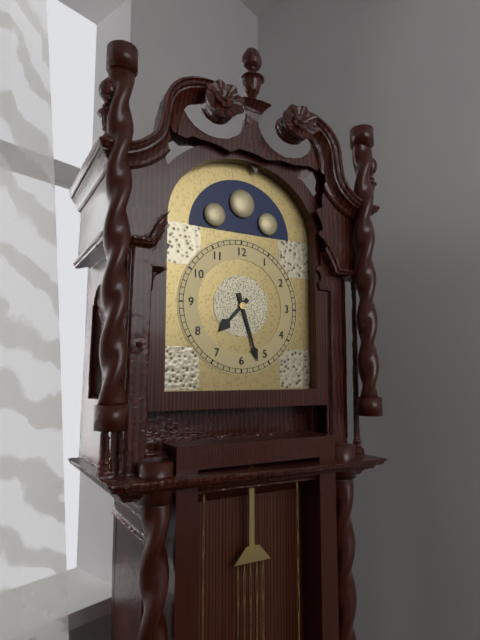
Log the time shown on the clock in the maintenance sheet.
7:27
